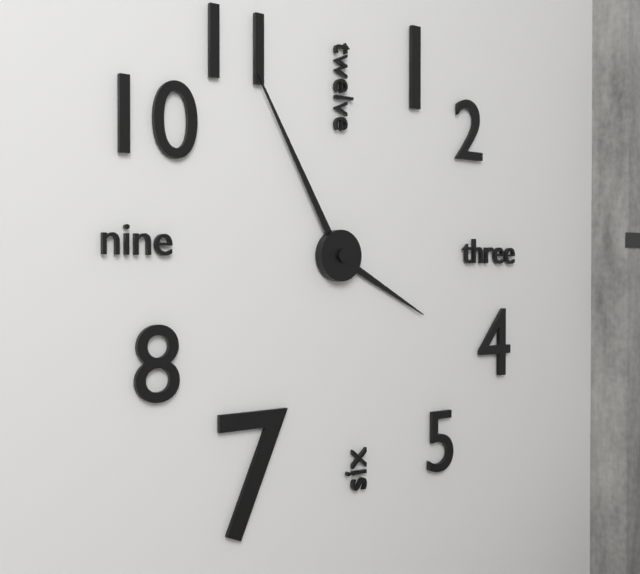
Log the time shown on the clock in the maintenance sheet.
3:55
